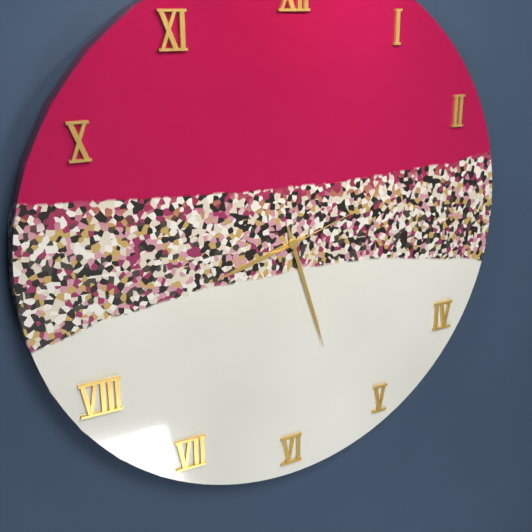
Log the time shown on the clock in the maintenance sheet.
8:27:12
